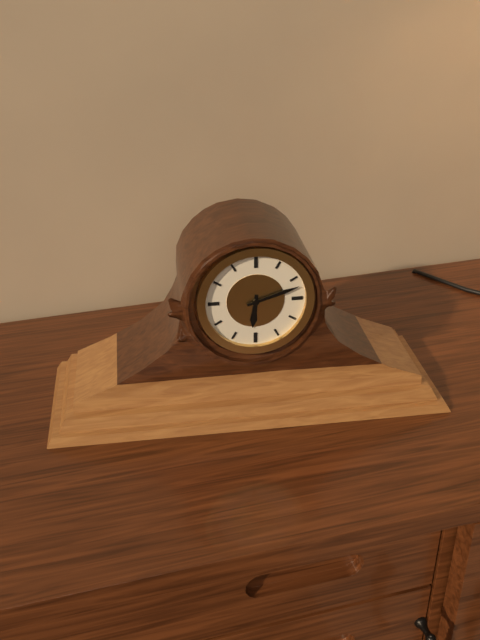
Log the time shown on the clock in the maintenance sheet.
6:12
